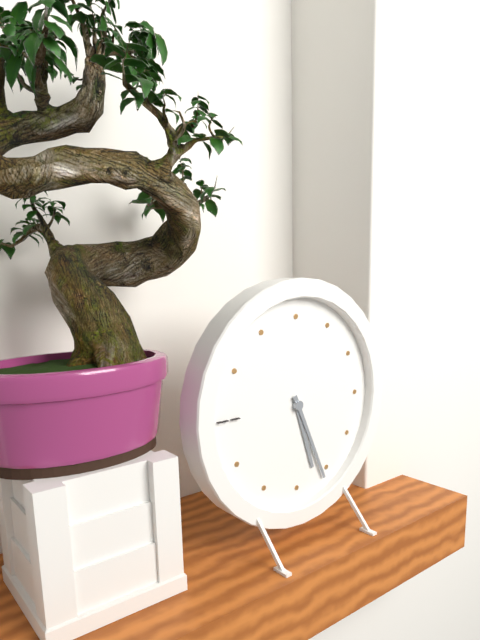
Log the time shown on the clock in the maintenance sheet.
5:26
